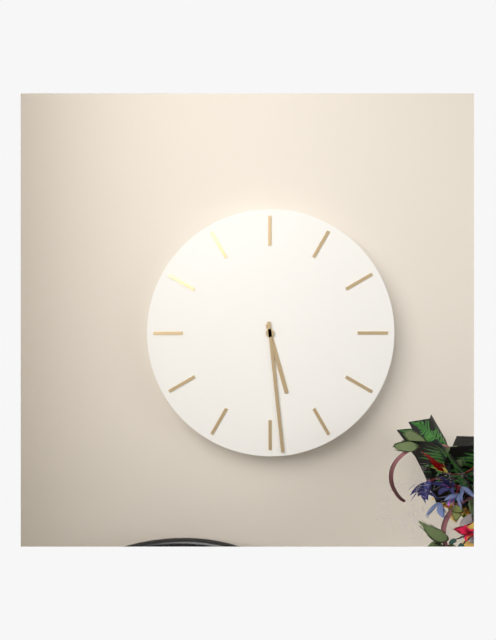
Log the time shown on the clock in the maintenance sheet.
5:29
